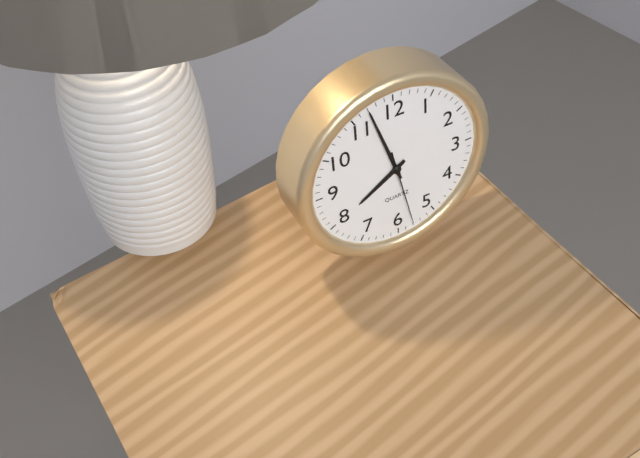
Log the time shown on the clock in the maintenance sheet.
7:57:28
